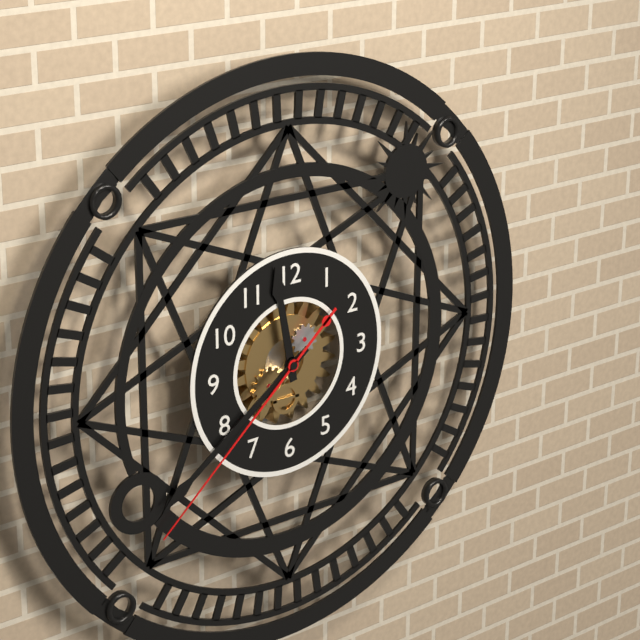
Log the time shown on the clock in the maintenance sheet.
11:39:38
